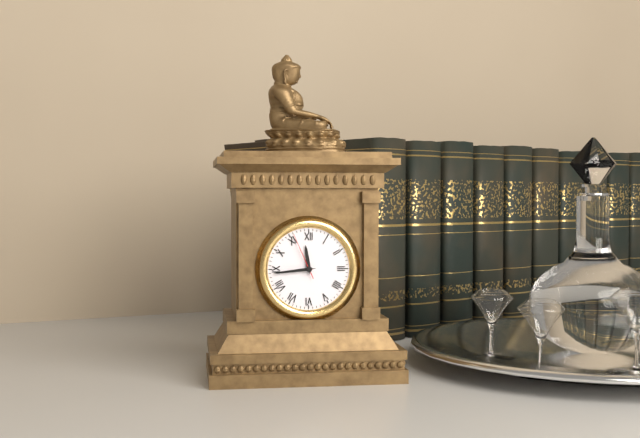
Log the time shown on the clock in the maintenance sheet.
11:44
